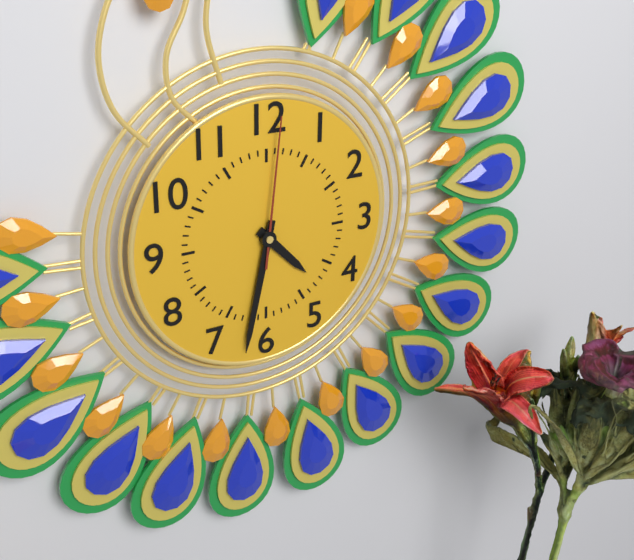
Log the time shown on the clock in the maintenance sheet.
4:32:01
